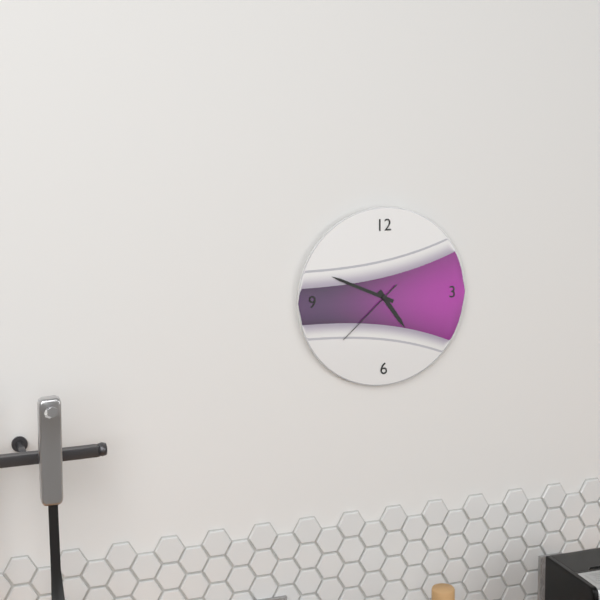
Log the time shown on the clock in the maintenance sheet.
4:49:38
